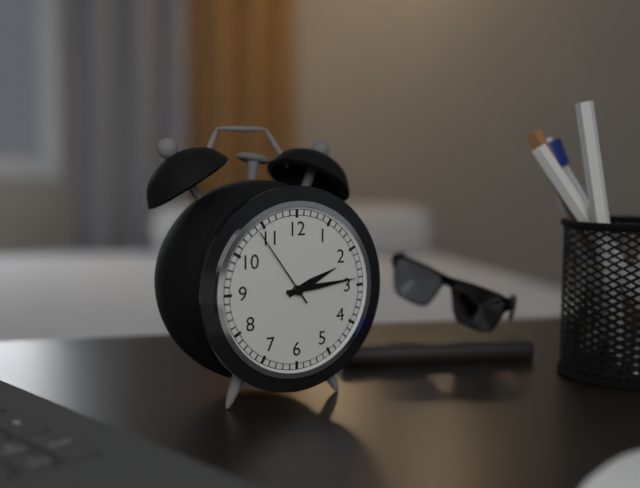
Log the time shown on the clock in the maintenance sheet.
2:14:54
